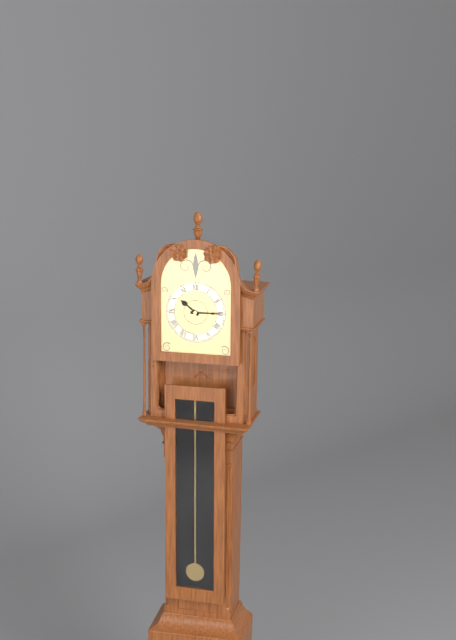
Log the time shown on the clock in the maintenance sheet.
10:15
